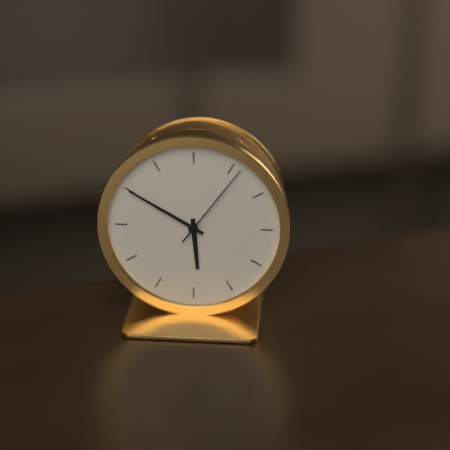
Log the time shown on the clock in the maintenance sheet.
5:50:06
